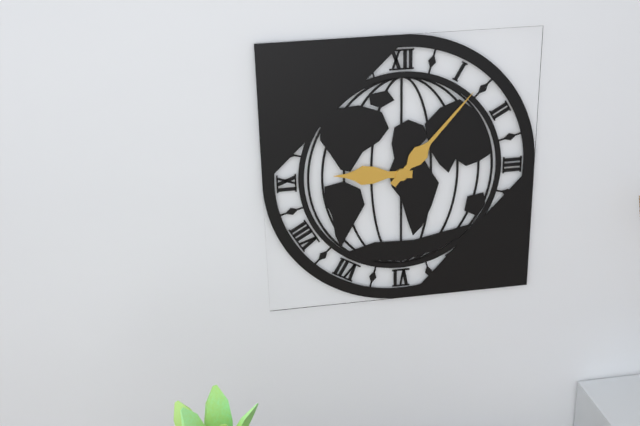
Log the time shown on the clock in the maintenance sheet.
9:07
